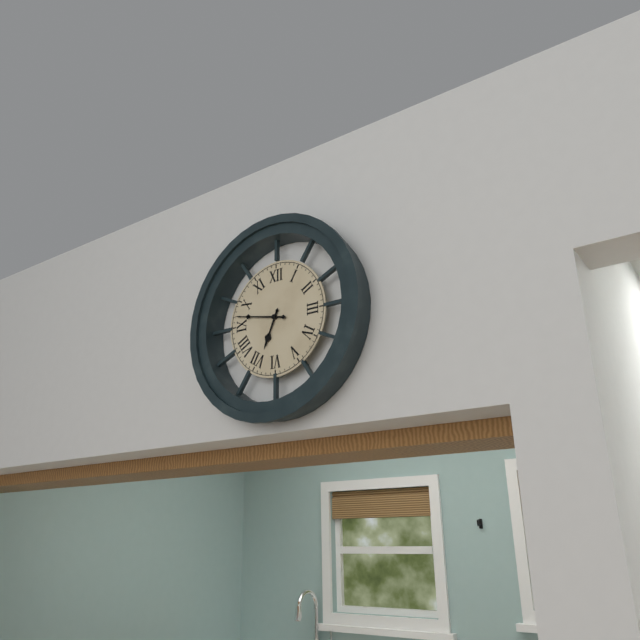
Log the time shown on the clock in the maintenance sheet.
6:47
